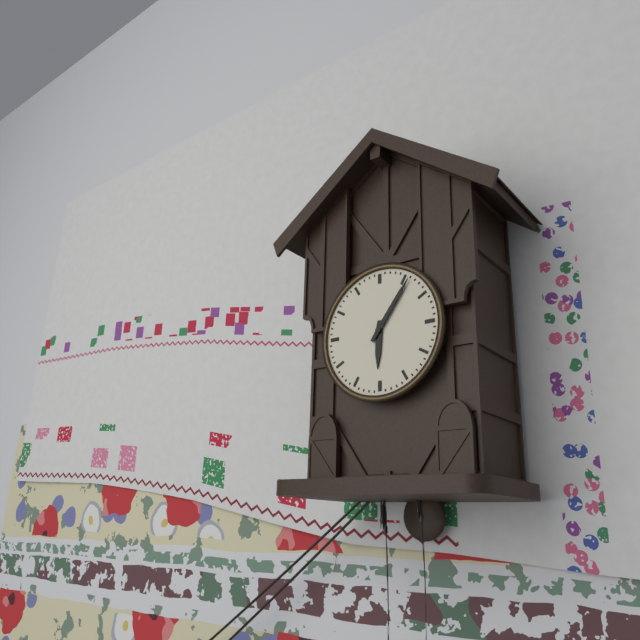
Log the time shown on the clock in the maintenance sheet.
6:06
